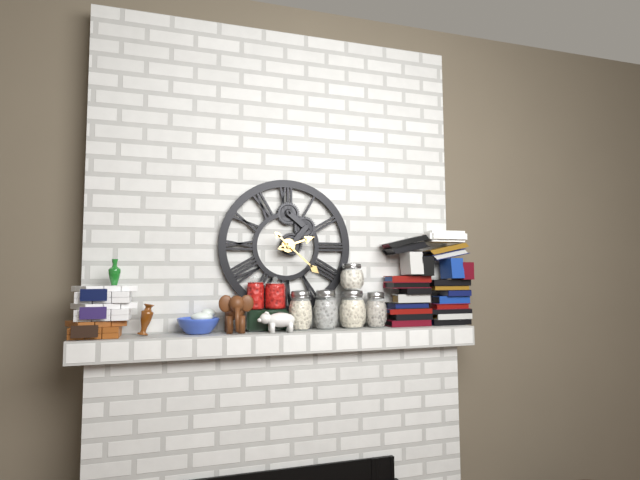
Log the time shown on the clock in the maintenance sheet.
2:22
